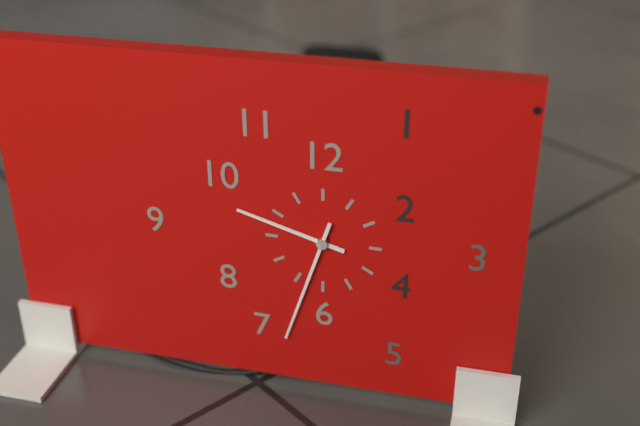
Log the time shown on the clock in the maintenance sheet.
9:33
